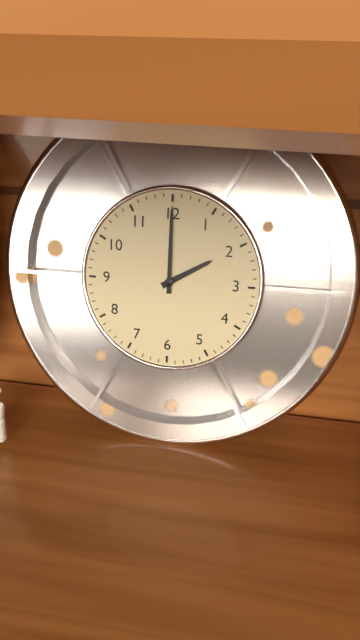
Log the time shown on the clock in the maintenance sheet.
2:00
